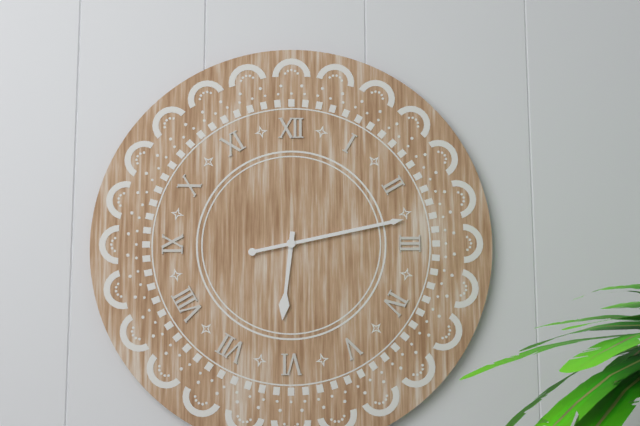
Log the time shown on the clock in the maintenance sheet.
6:13
